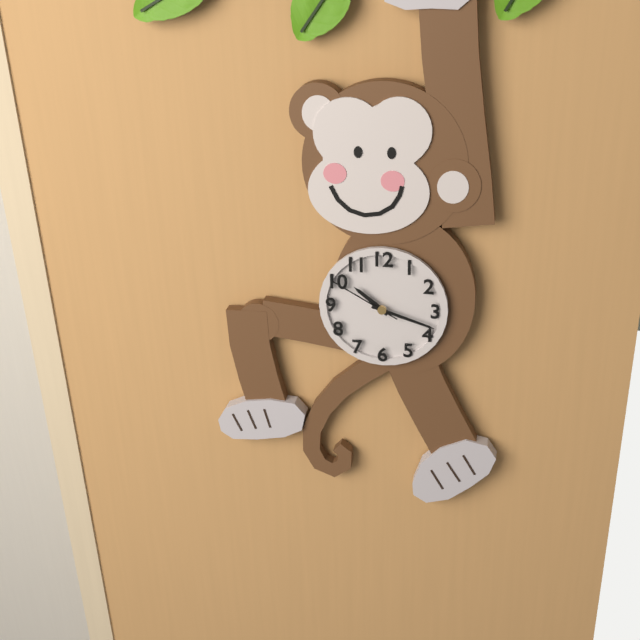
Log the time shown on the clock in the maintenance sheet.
10:18:50
